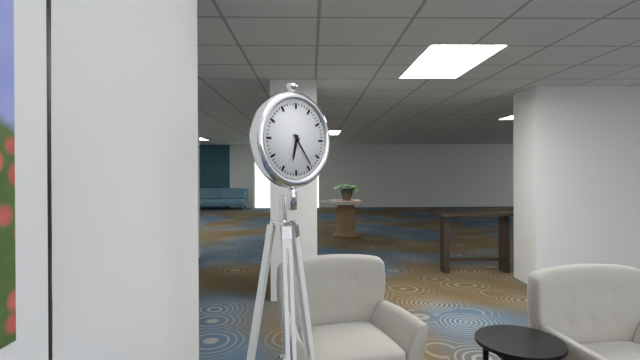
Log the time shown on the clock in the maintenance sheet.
6:24
